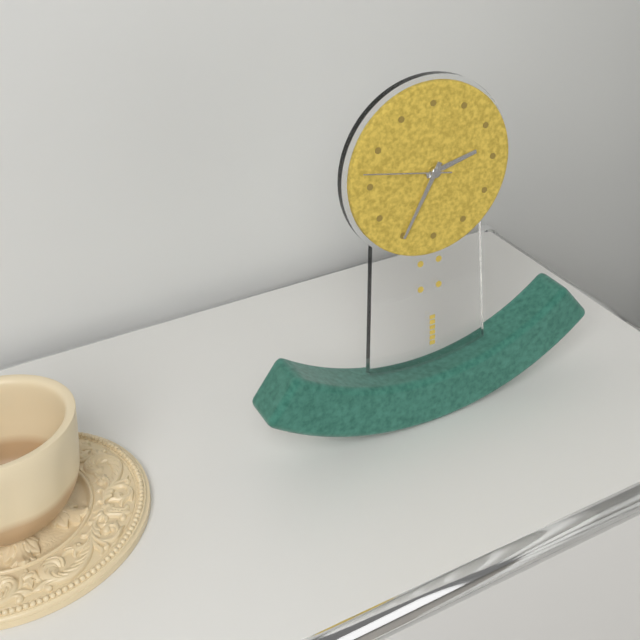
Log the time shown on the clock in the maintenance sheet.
2:35:47
